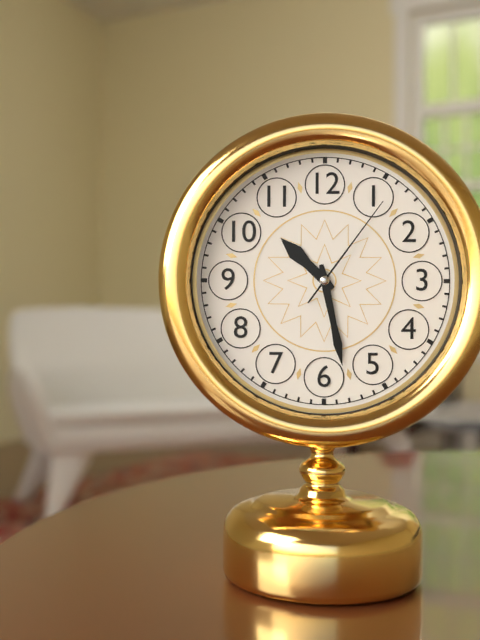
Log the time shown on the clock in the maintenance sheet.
10:28:06
